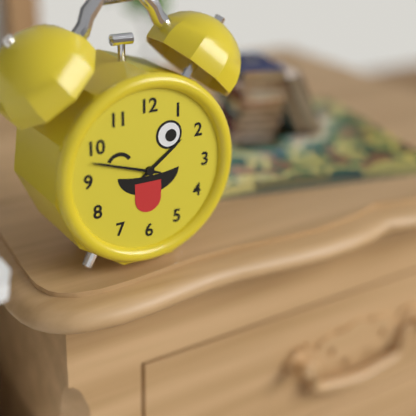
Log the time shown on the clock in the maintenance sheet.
1:48
